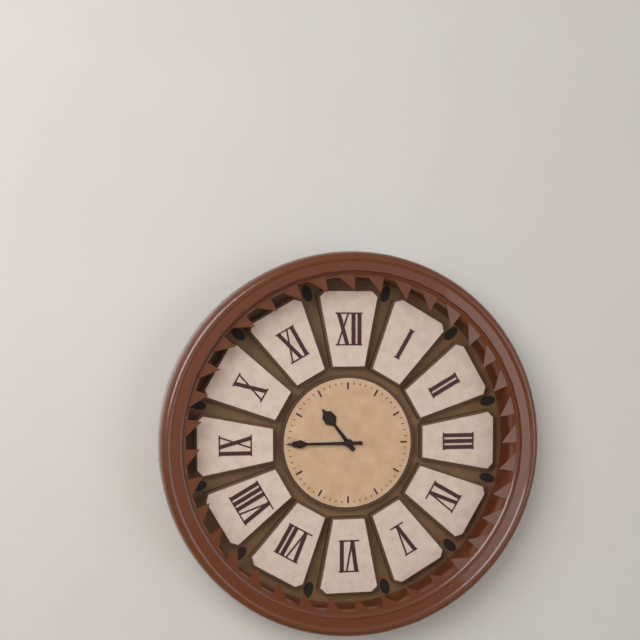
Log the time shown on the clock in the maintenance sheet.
10:45
